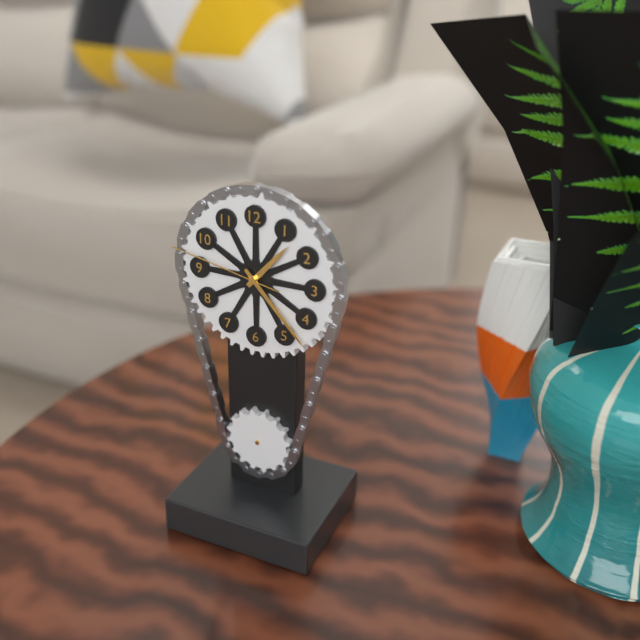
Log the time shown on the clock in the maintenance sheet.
1:23:47
